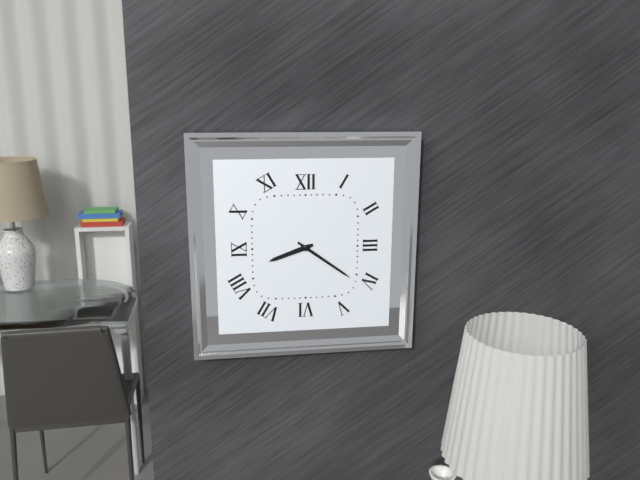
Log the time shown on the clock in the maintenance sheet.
8:21
